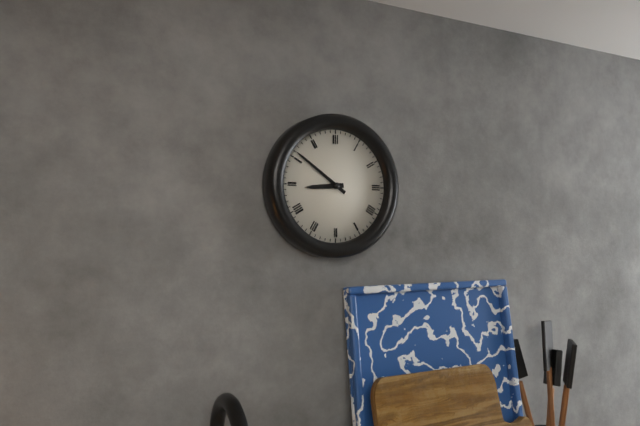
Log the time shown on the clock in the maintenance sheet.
8:51
